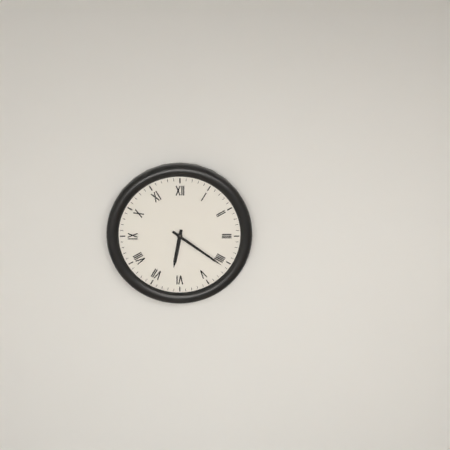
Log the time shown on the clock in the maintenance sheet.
6:21
